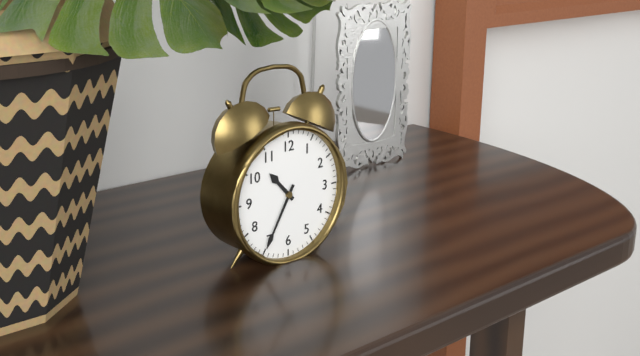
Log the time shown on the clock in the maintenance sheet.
10:35
